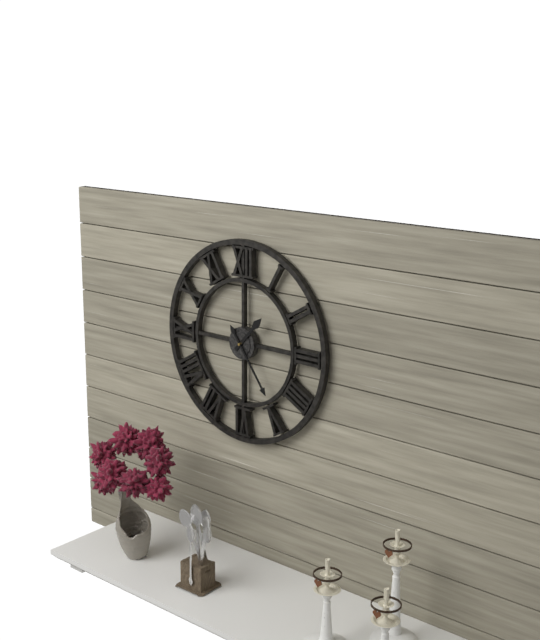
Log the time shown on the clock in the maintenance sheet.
1:24
